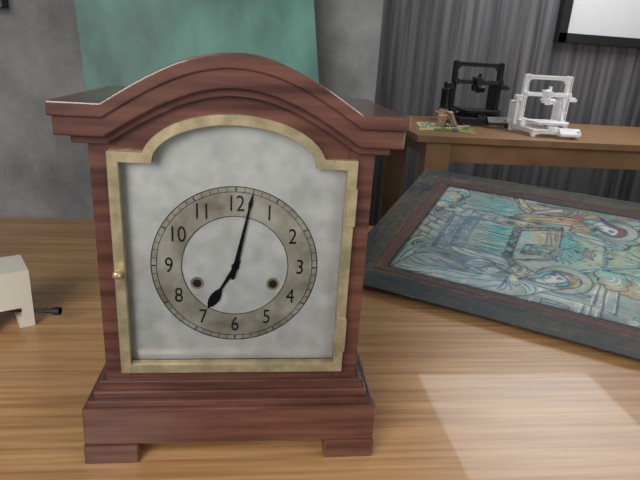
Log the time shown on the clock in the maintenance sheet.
7:02
